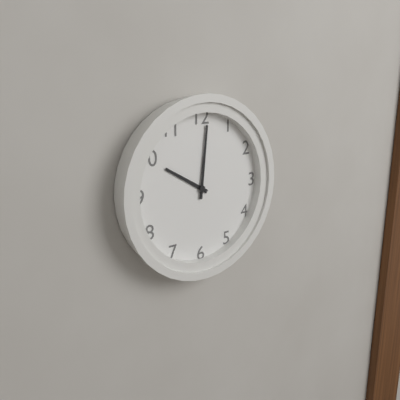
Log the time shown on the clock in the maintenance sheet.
10:01
